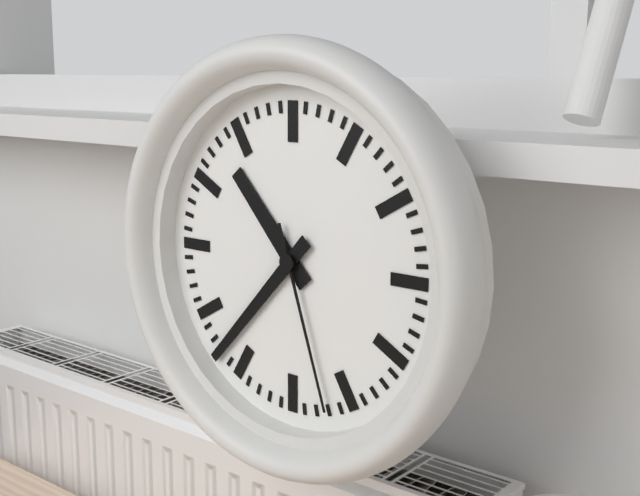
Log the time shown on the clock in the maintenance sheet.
10:37:27
